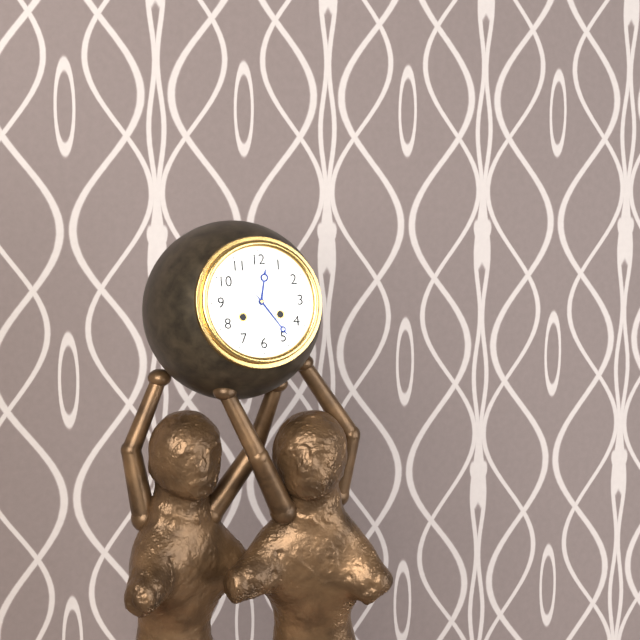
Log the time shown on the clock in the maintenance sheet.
12:24
